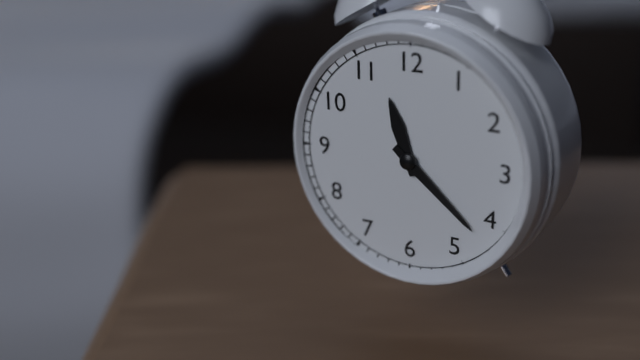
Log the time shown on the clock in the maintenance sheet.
11:22
